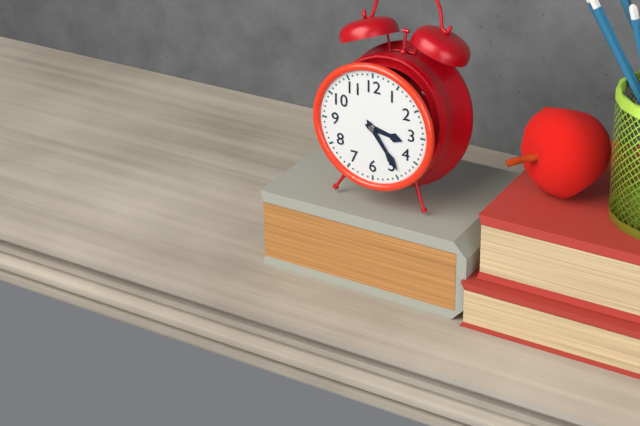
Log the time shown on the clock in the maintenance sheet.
3:24
